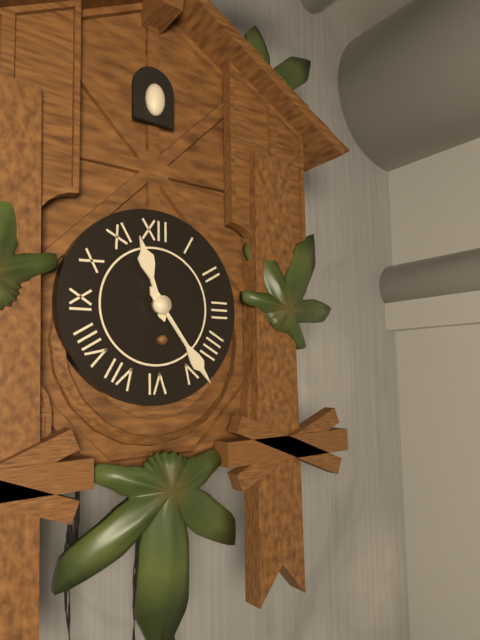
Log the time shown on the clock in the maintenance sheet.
11:24
